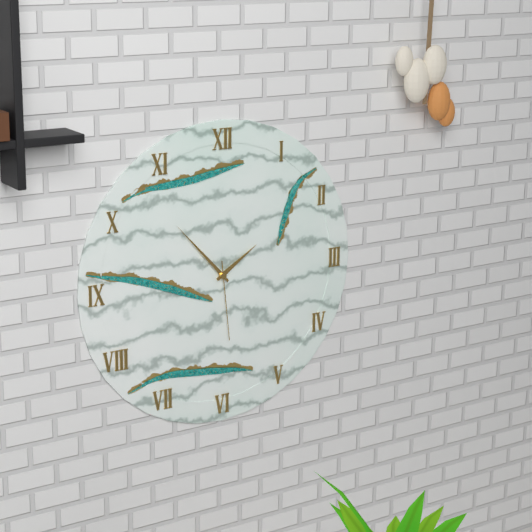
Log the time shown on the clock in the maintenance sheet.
1:53:29
